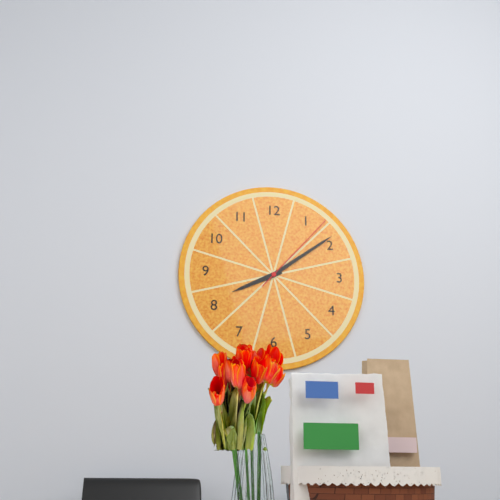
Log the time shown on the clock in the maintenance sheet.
8:09:07
